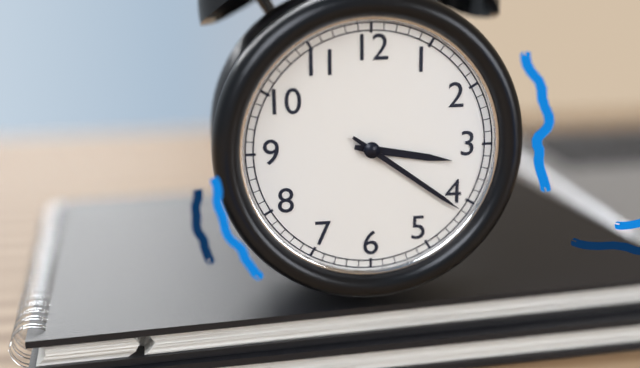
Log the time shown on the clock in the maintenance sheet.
3:21
